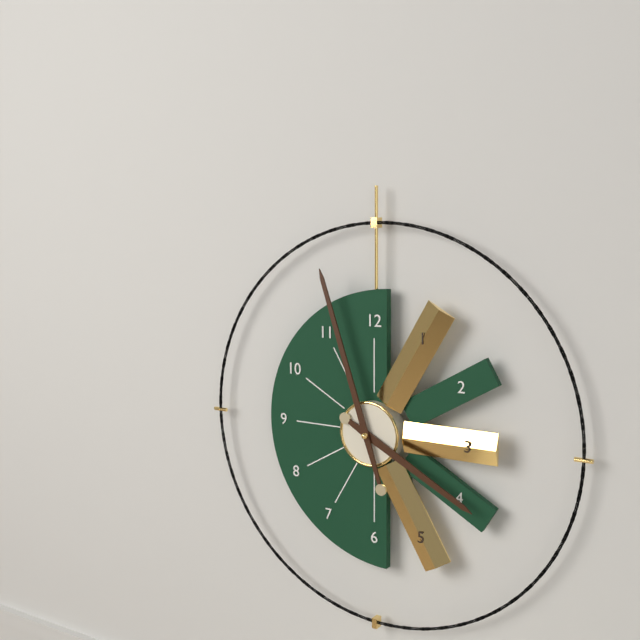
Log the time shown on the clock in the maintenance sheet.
3:57
